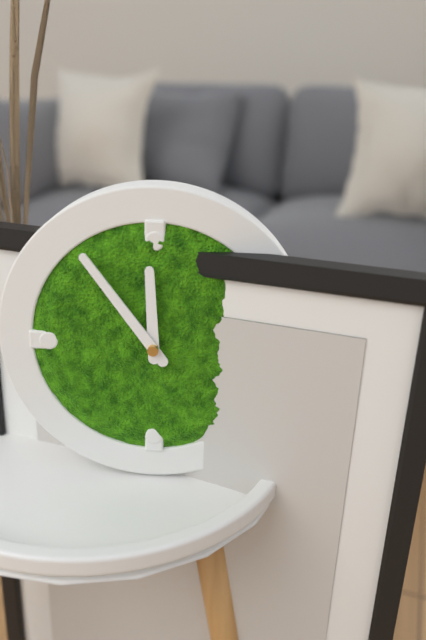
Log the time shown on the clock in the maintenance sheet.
11:54
